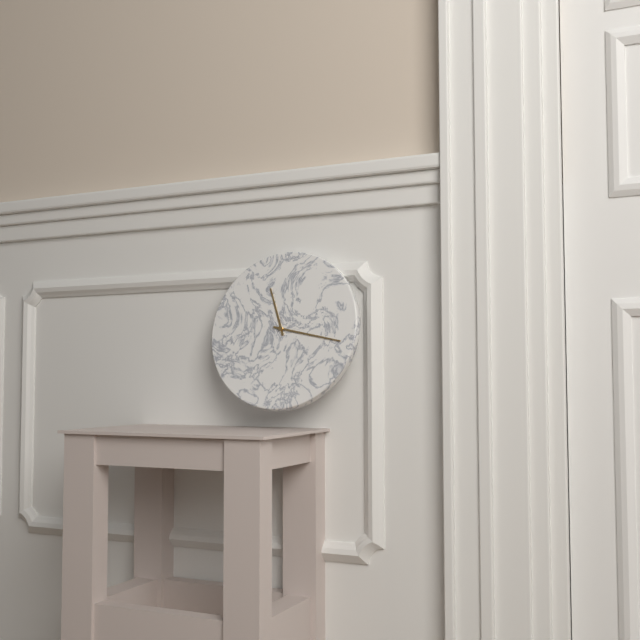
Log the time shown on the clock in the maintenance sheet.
11:17
